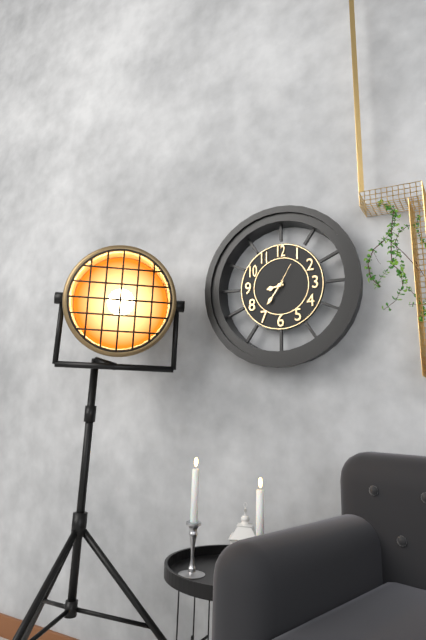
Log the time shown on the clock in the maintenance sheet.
8:36
